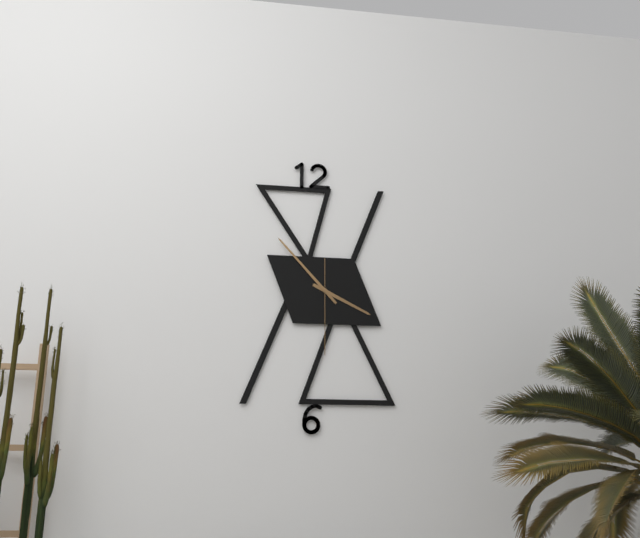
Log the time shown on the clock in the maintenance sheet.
3:53:30
